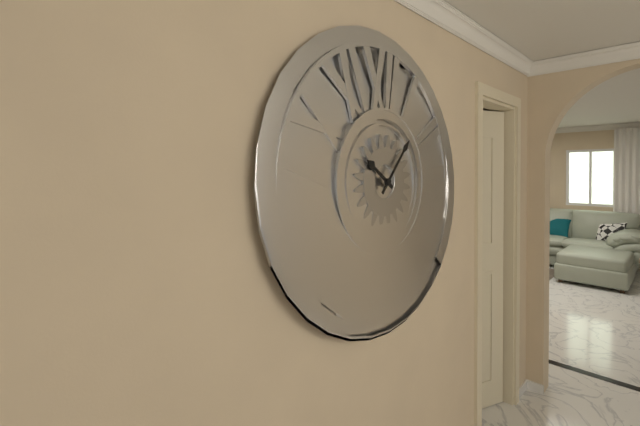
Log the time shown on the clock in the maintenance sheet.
10:07
